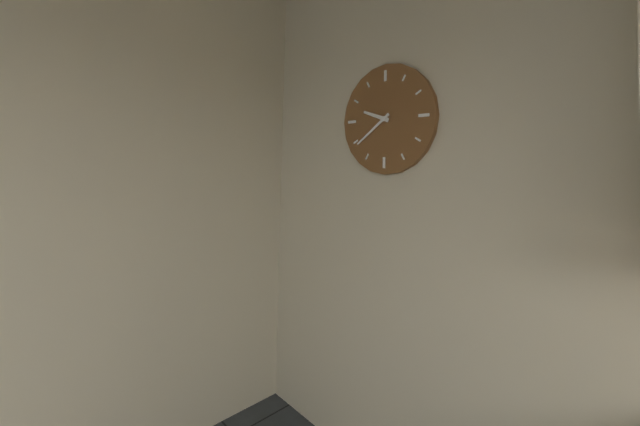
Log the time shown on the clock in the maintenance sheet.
9:39
